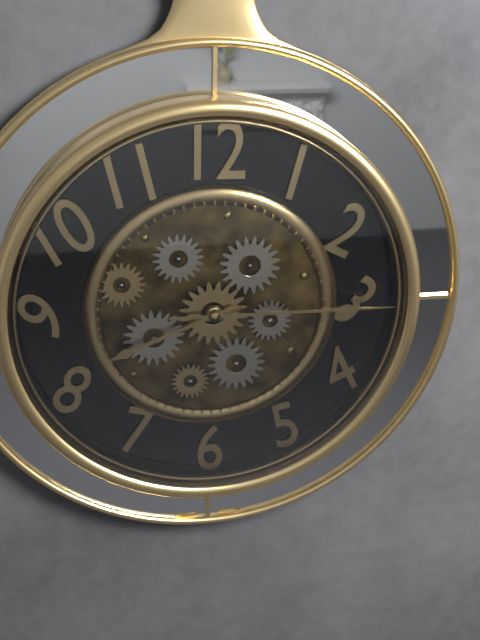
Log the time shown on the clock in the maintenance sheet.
8:15
